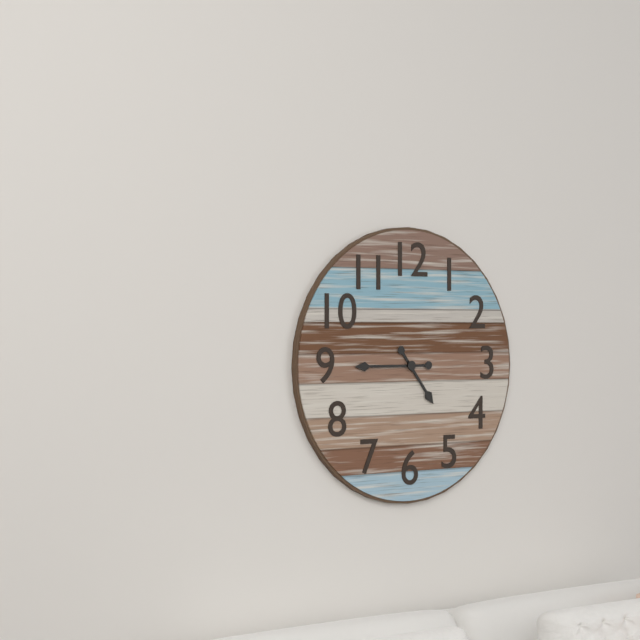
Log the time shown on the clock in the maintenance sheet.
4:45
